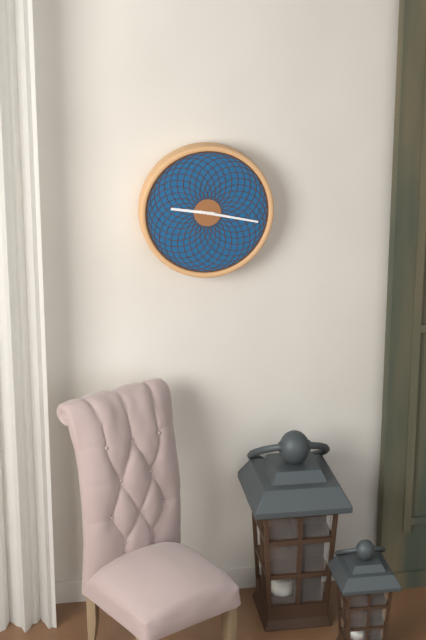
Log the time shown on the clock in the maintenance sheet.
9:17
